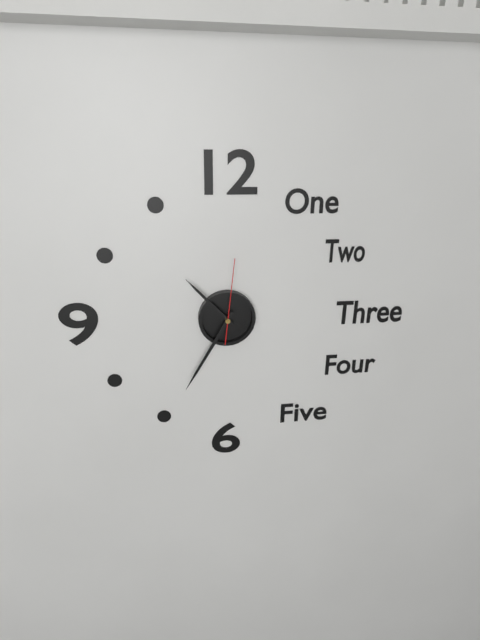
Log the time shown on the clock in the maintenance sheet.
10:35:01
